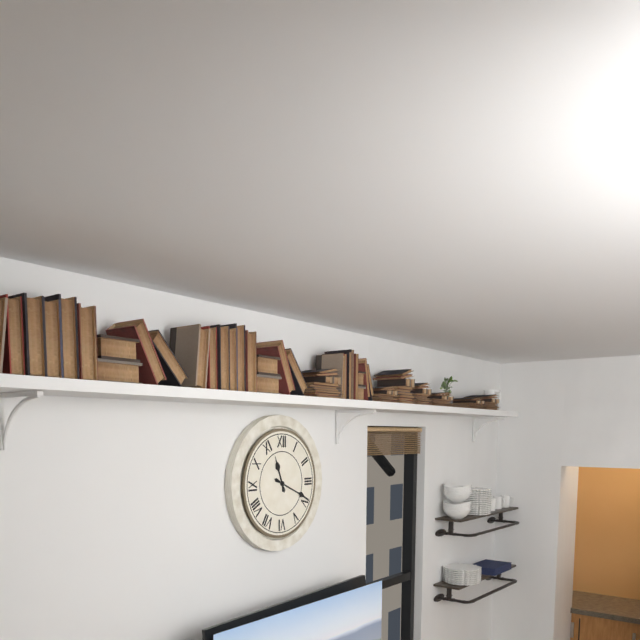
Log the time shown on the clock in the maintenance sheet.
11:19
